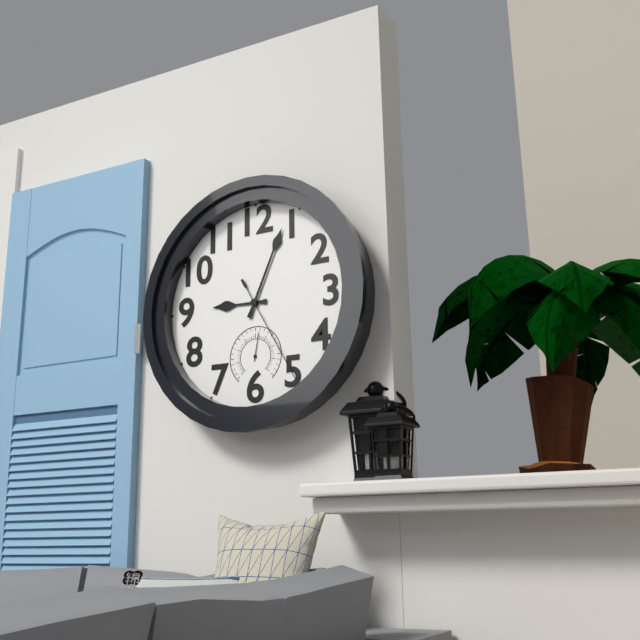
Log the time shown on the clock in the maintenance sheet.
9:04:25
